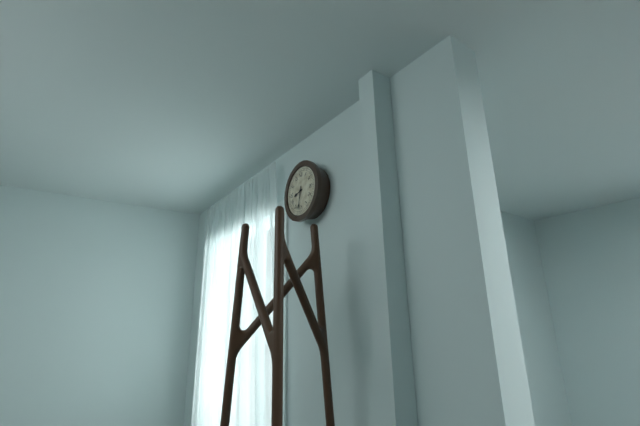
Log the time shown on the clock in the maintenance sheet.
8:32
